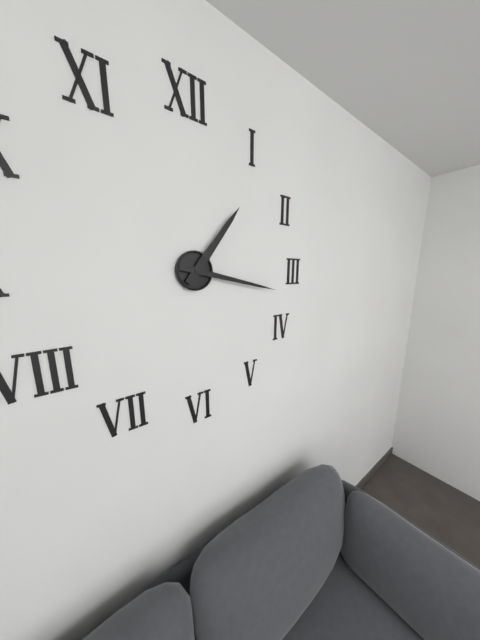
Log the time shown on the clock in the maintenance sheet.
1:17
